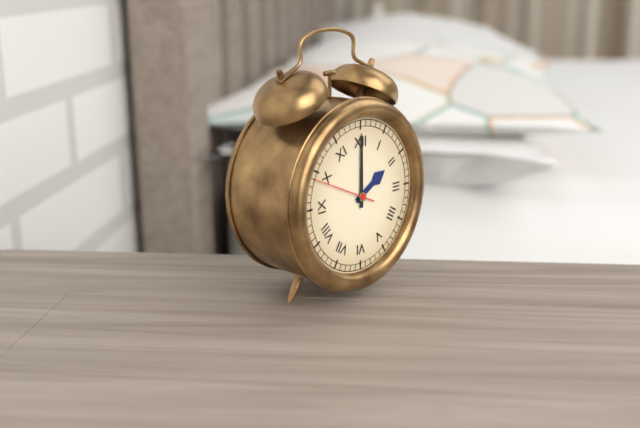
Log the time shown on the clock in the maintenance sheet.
2:00:49
